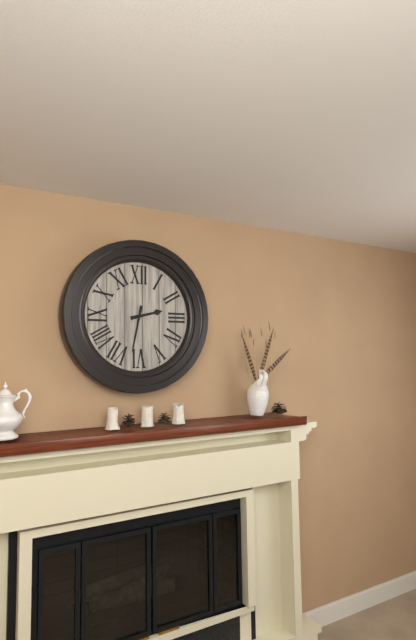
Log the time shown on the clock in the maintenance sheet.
2:32
